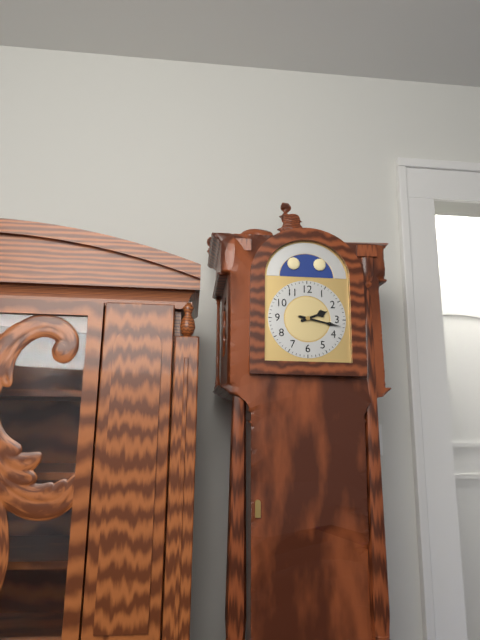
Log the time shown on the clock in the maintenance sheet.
2:17
